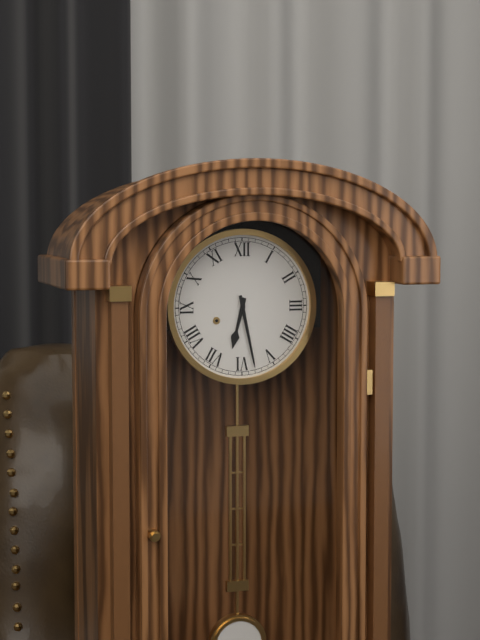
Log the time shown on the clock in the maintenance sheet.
6:28
